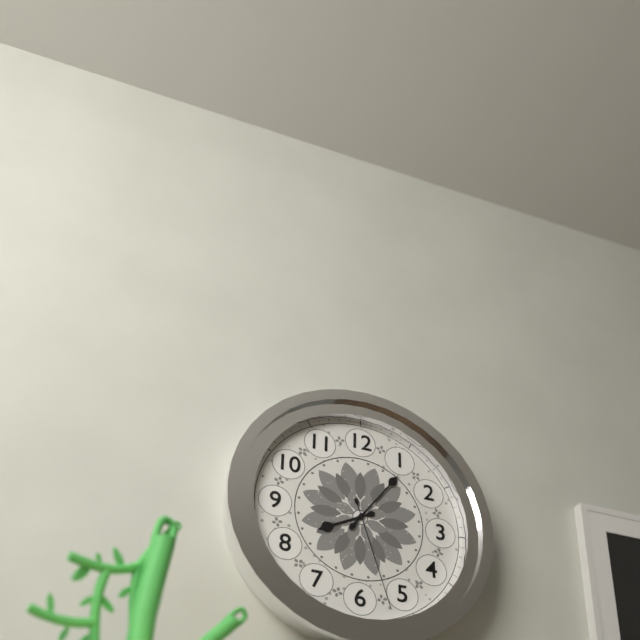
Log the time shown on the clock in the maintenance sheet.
8:06:27
